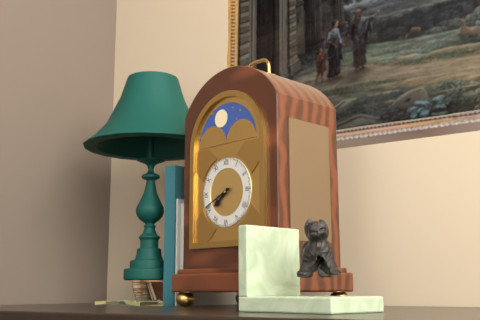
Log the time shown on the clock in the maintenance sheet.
7:41
